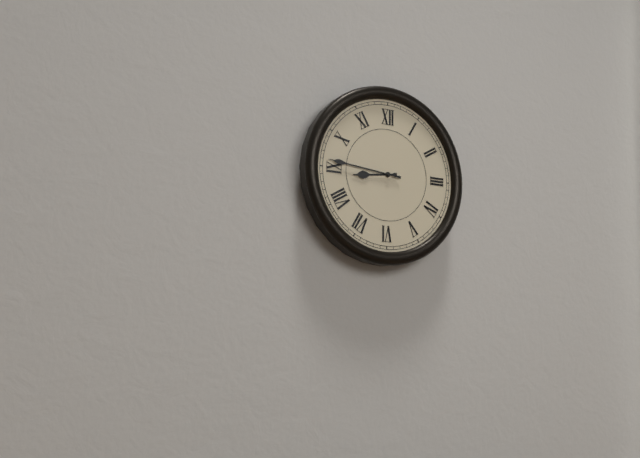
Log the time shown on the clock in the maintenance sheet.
8:46
